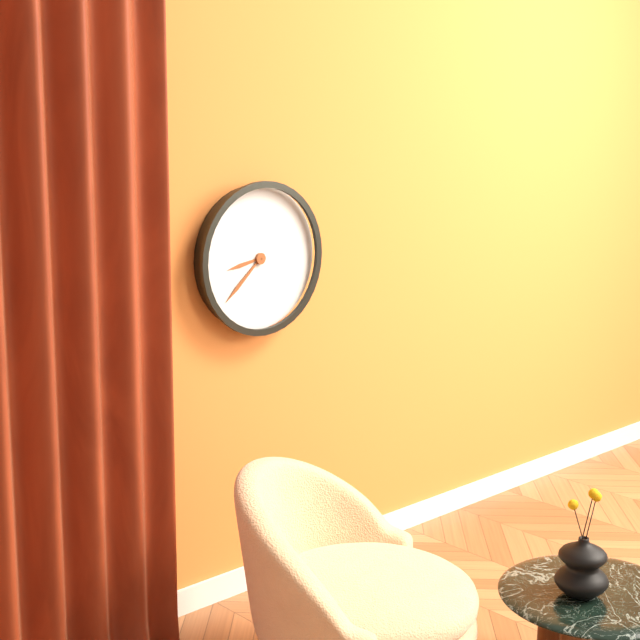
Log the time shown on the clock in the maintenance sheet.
8:38
